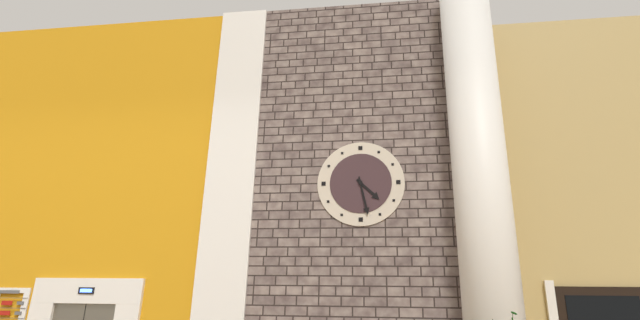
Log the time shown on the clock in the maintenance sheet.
4:28
